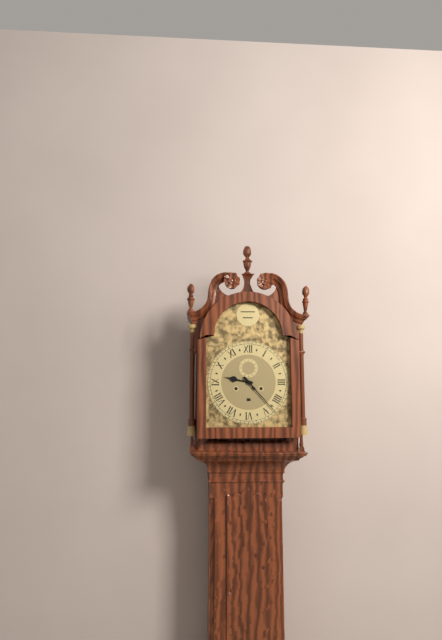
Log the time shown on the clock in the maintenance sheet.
9:23
